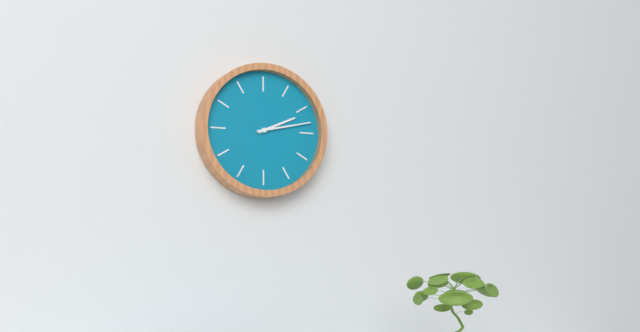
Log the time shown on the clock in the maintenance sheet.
2:13
